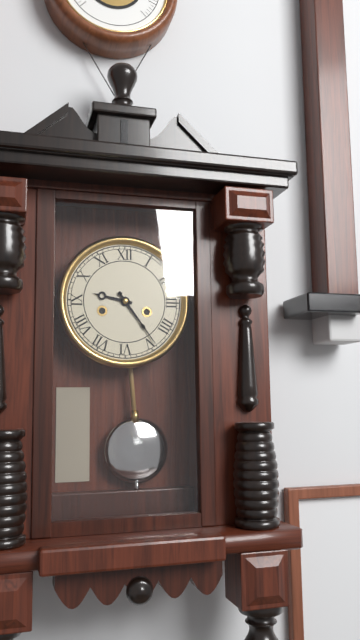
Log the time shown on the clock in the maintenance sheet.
9:24
